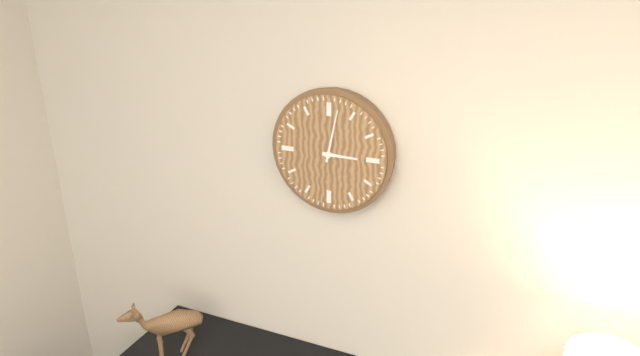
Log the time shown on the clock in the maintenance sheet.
3:02
